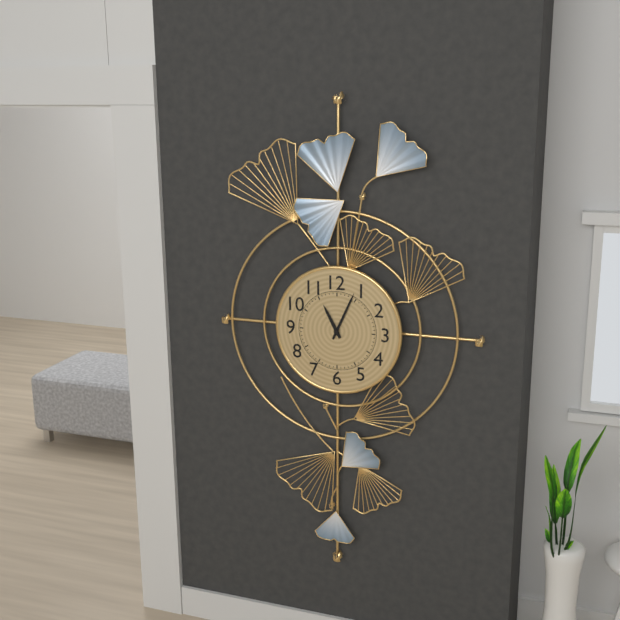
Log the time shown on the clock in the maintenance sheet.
11:04
